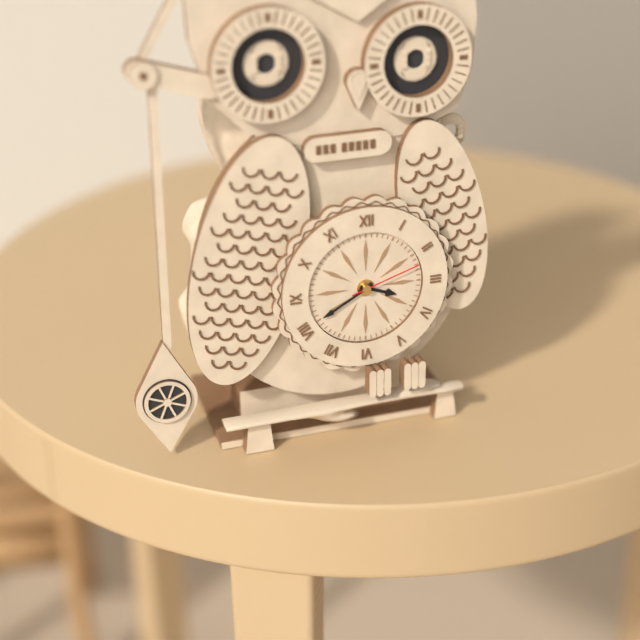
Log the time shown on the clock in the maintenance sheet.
3:40:12
